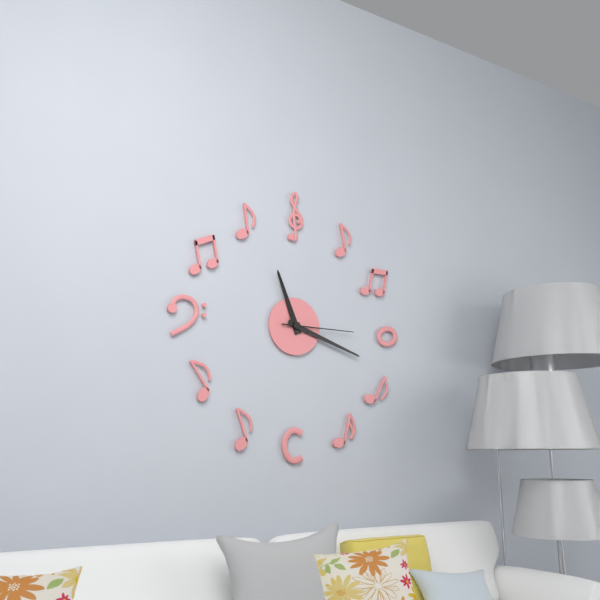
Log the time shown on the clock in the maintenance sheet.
11:18:15
